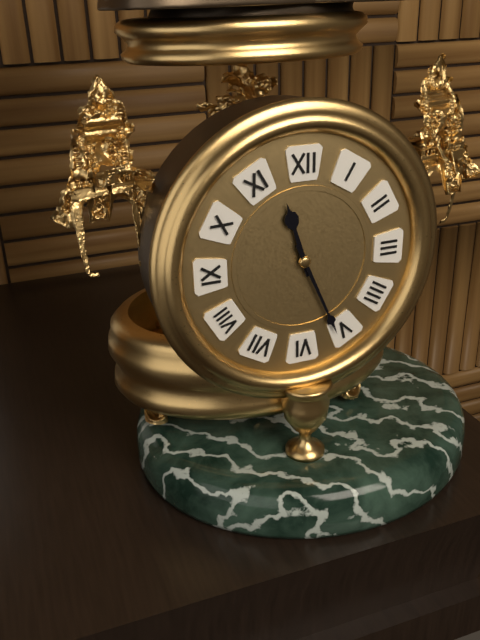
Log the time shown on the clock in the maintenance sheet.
11:26
